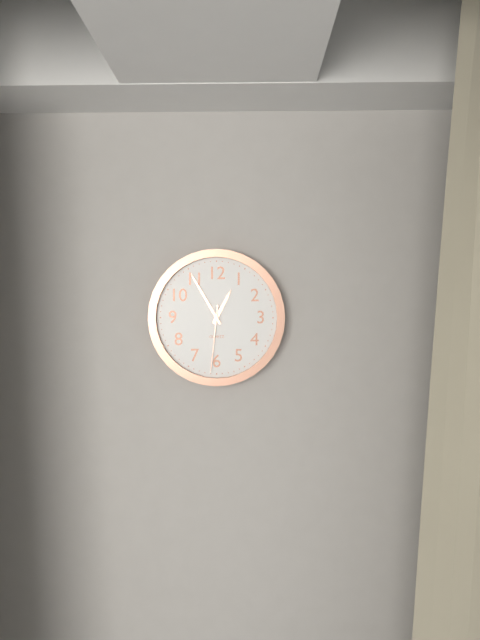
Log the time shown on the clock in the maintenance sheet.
12:55:31
